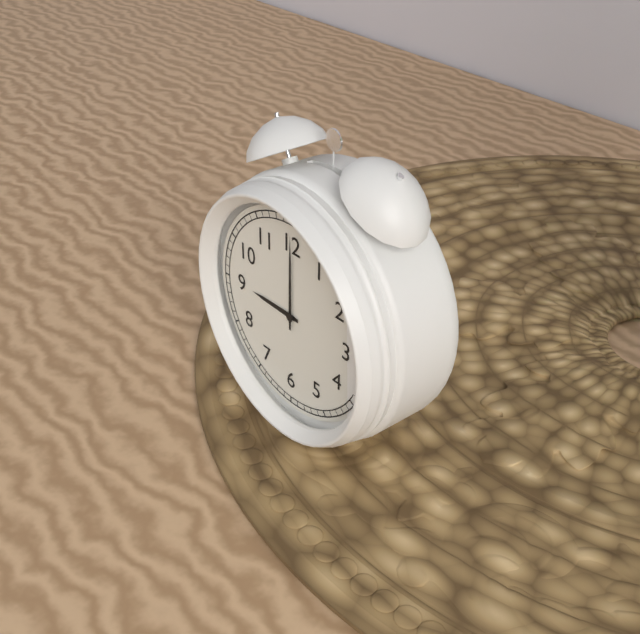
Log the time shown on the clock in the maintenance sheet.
9:00
